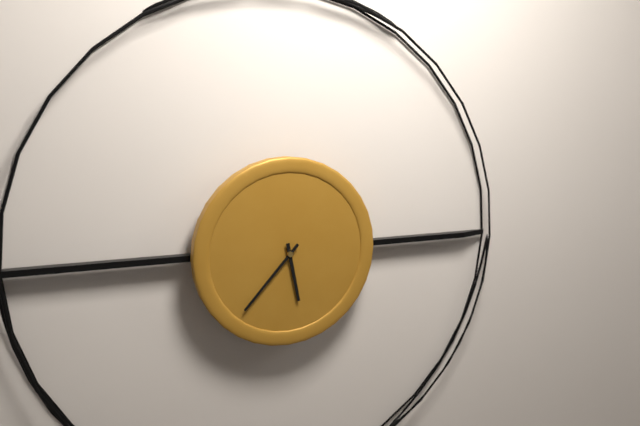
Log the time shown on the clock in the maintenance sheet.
5:37
